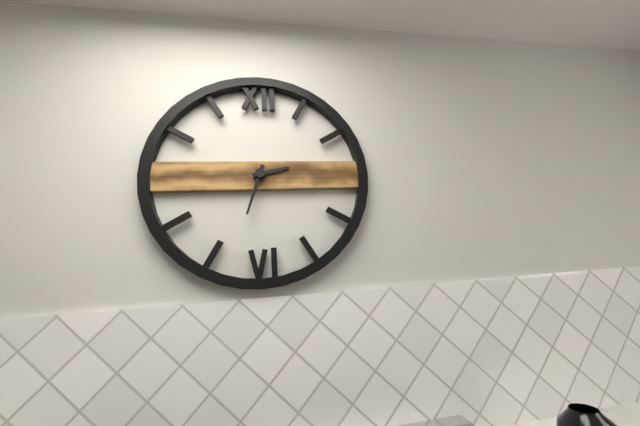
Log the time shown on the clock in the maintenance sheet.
2:33
